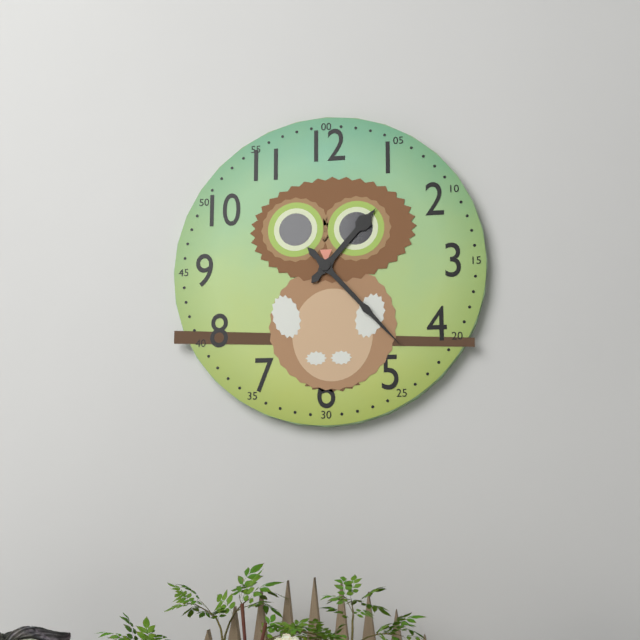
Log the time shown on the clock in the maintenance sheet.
1:23
